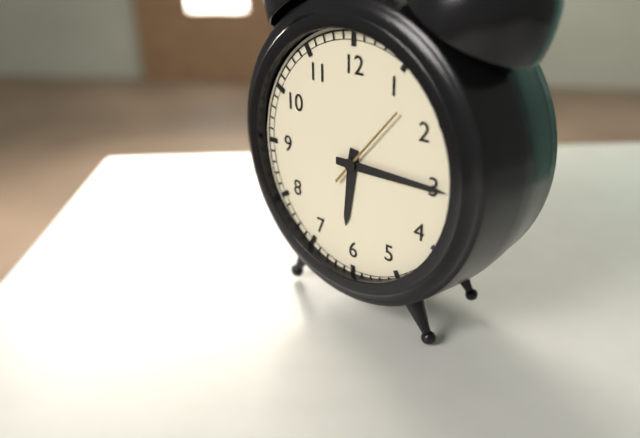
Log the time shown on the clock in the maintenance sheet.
6:15:07
